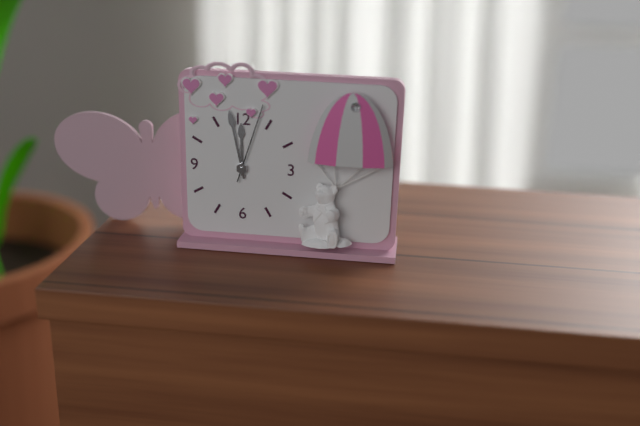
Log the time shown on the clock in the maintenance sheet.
11:58:03
